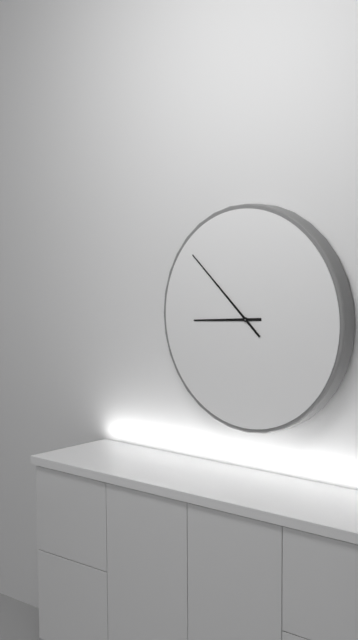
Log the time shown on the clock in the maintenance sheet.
8:52
